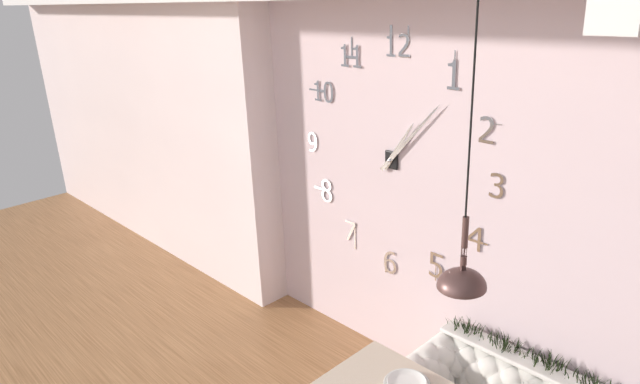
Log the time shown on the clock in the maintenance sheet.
1:07
